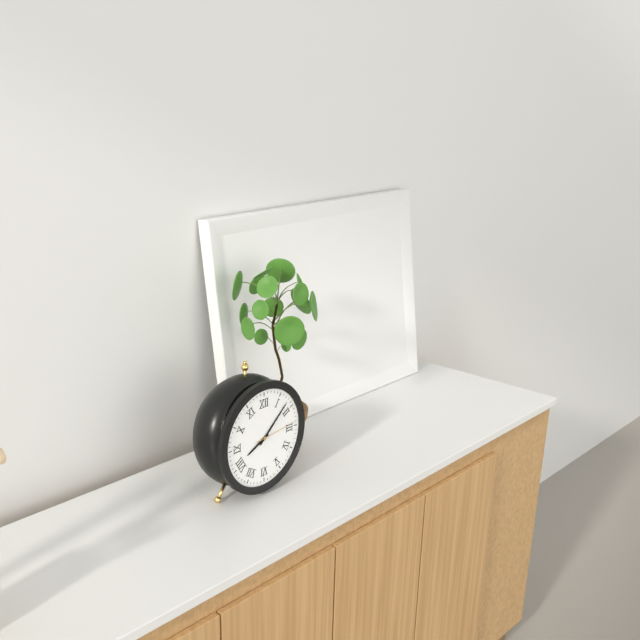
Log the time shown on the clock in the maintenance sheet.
8:08
